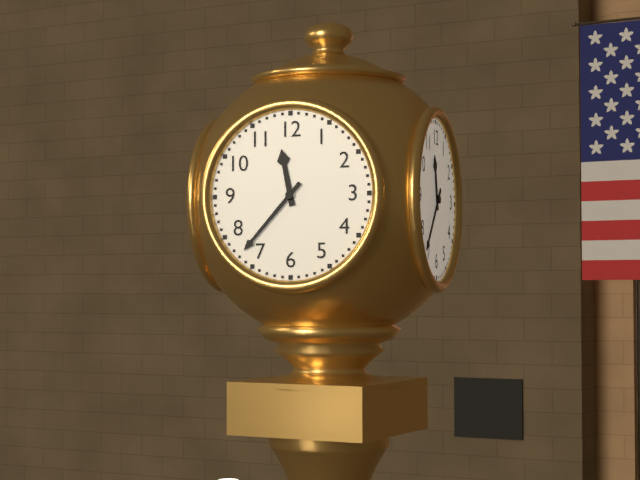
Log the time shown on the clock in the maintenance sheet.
11:37
